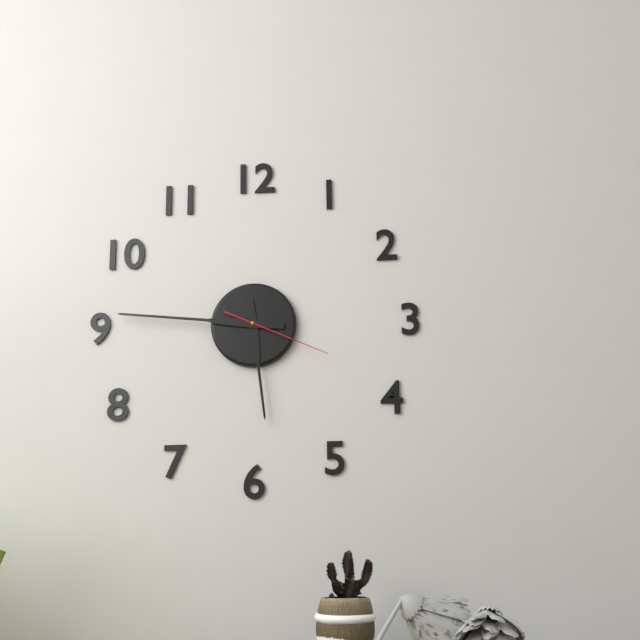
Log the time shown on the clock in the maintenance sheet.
5:46:19
